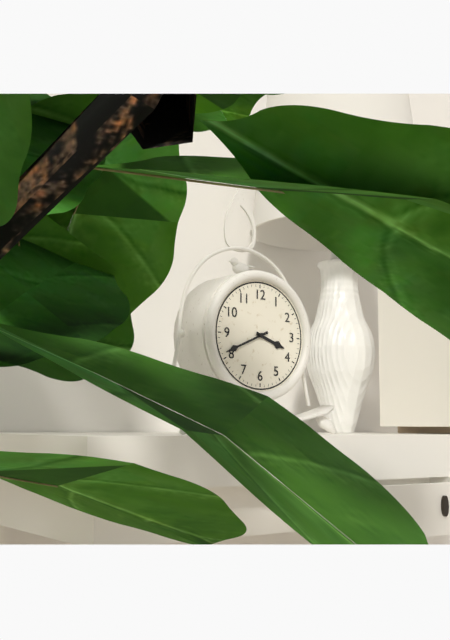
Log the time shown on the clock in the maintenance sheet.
3:41
